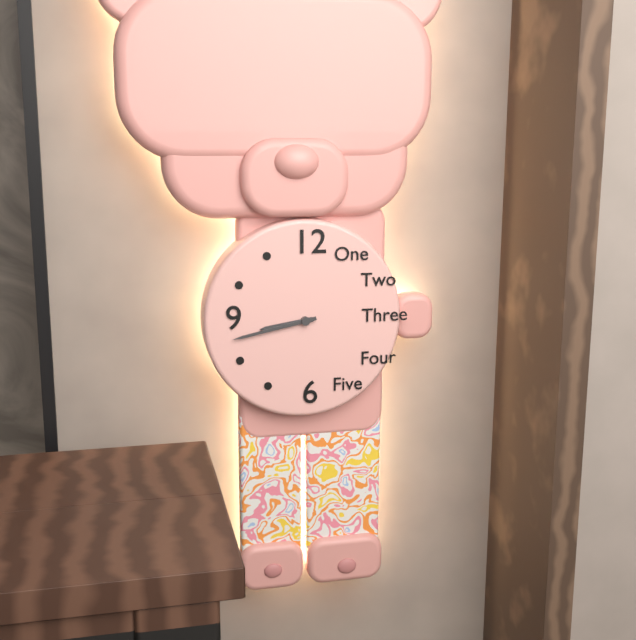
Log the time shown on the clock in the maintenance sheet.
8:43
